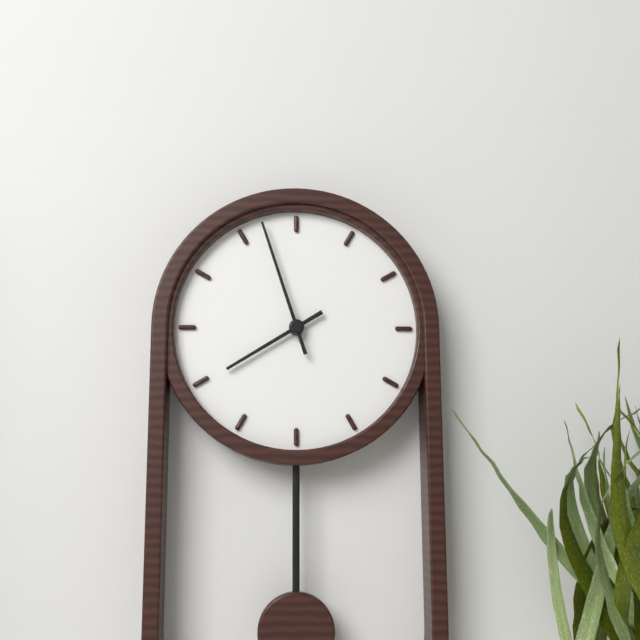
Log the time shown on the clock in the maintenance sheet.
7:57
